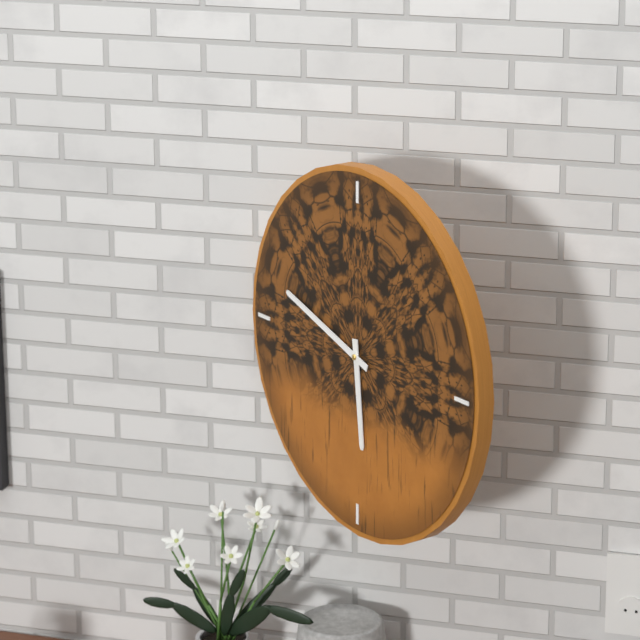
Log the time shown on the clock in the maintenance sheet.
5:48
